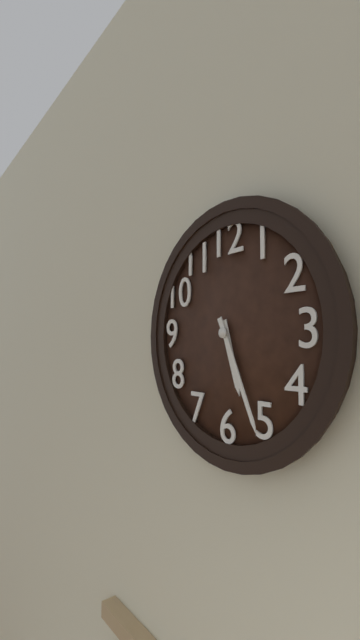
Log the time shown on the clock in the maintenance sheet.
5:26
